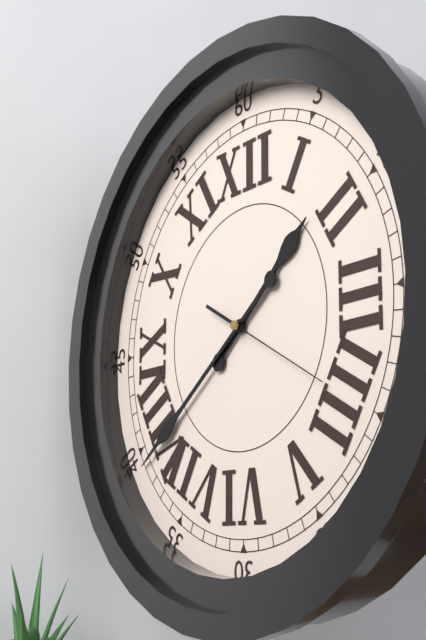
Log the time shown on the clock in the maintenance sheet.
1:39:20
